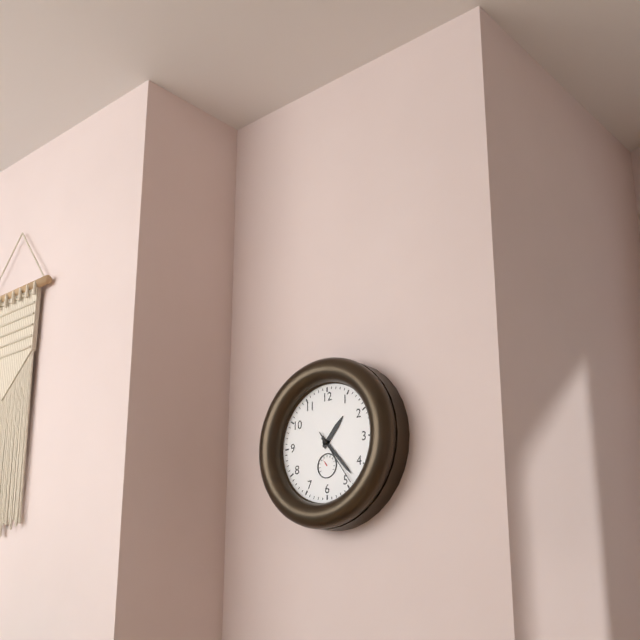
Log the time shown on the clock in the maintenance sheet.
1:23:24
